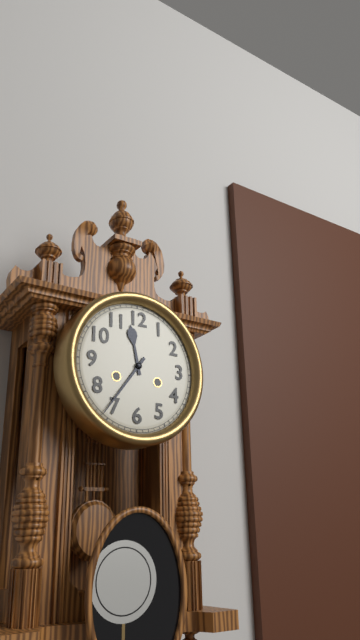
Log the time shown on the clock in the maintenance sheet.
11:36
